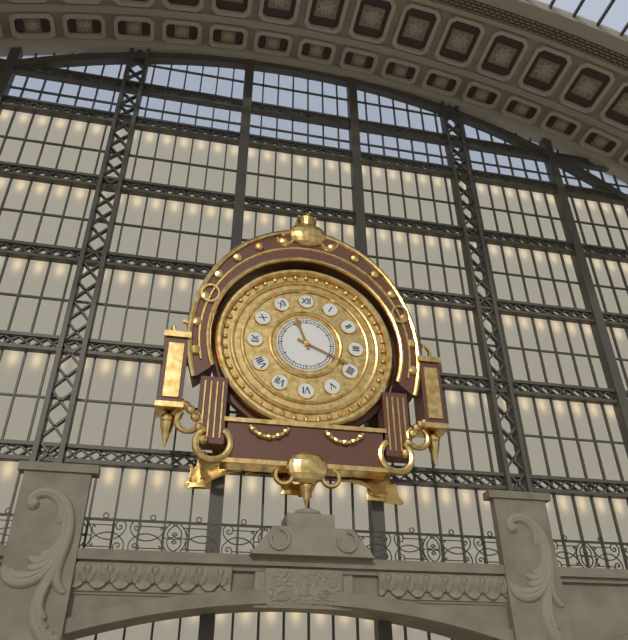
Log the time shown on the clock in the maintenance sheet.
11:19
